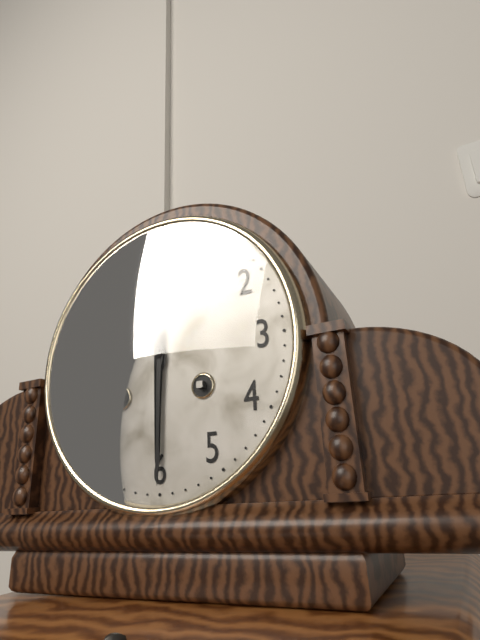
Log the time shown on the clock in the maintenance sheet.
11:30
